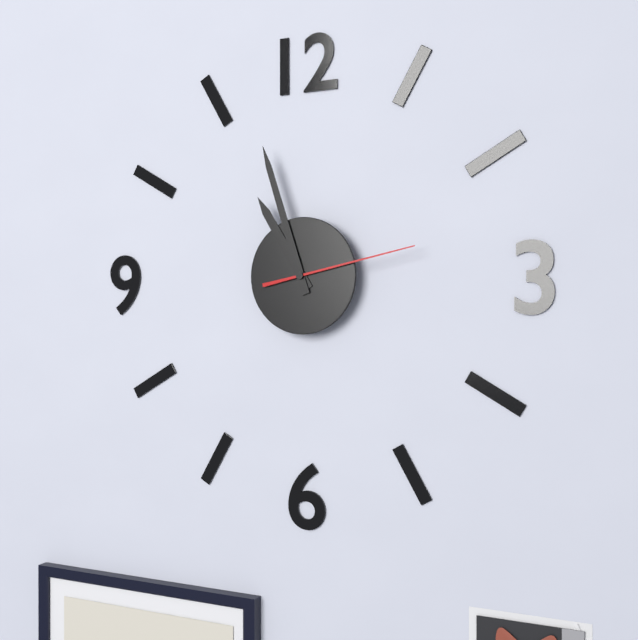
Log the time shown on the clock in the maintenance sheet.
10:57:13
